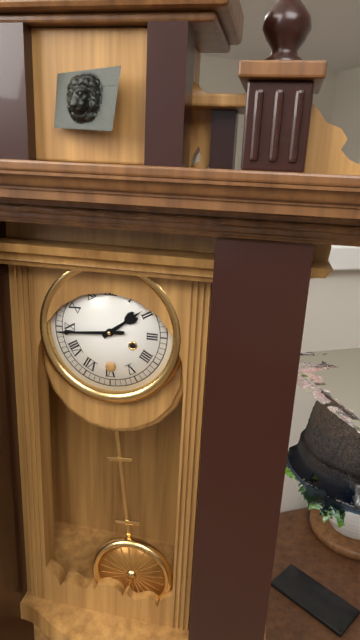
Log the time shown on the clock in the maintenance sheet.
1:44
